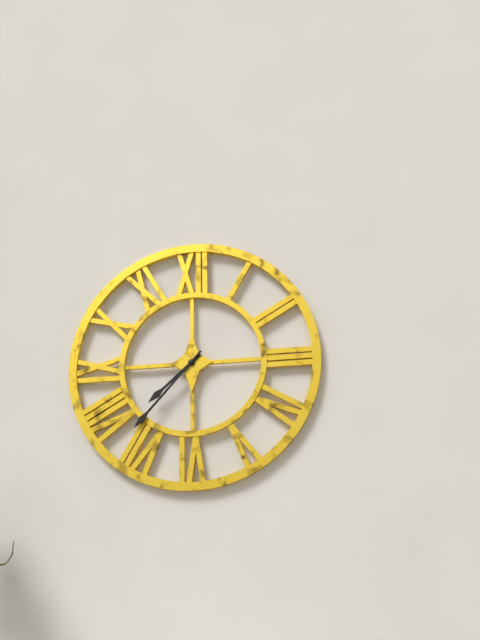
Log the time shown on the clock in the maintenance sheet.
7:37
